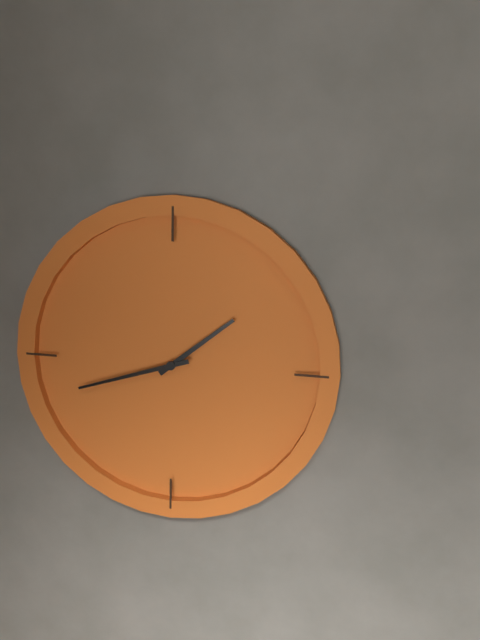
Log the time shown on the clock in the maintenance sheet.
1:42
